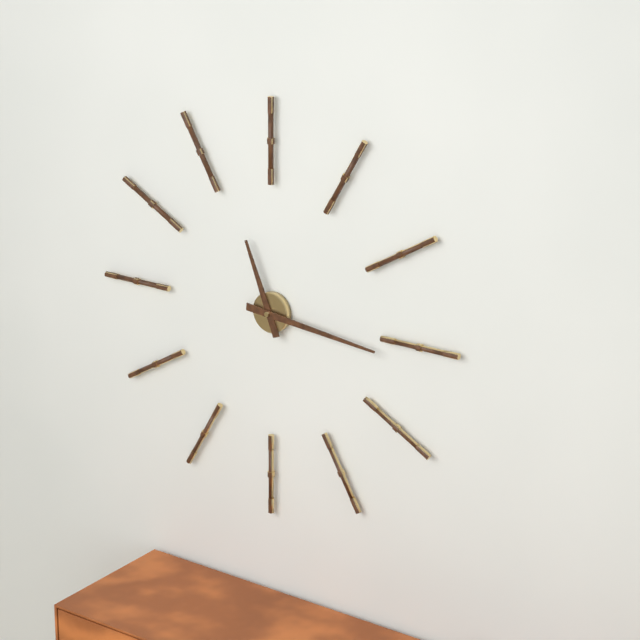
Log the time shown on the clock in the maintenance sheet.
11:16
